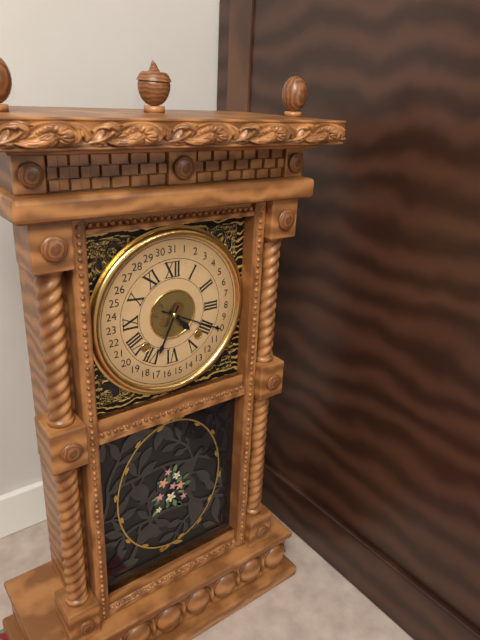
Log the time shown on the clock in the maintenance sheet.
4:34
